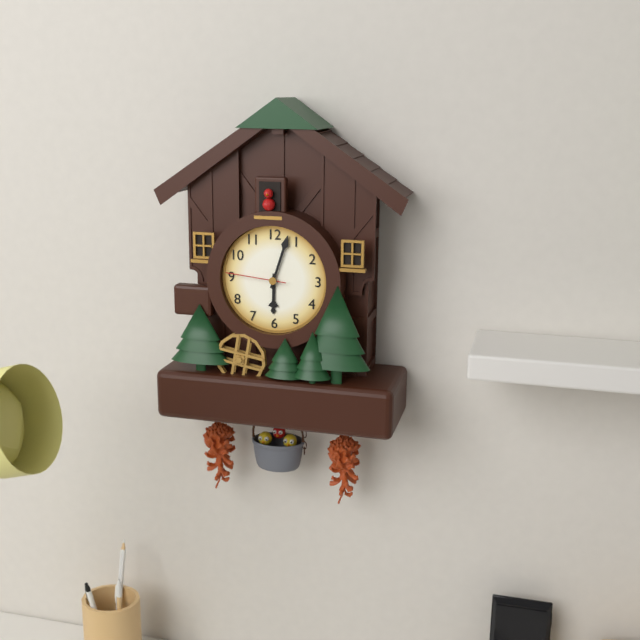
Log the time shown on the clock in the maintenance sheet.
6:03:46
